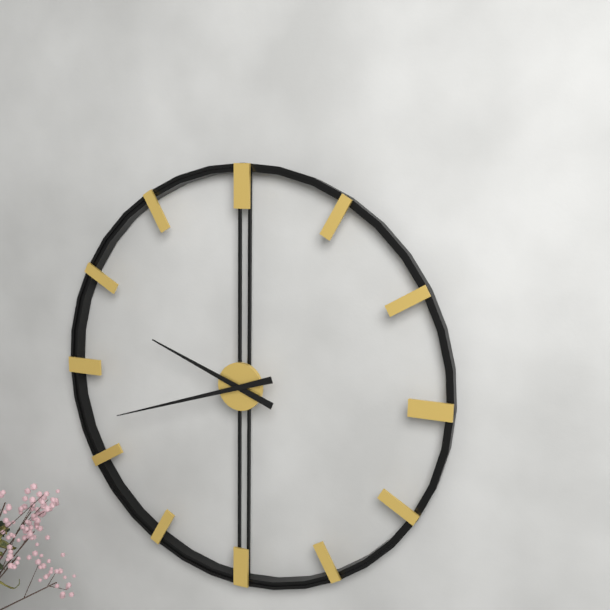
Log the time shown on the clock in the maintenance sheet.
9:42
